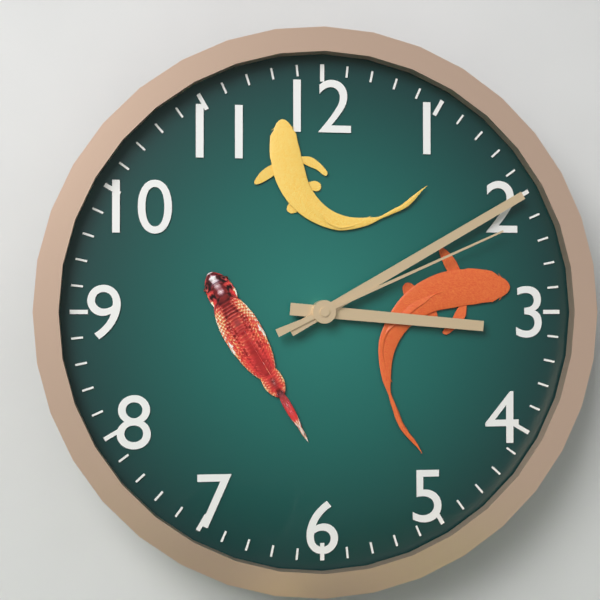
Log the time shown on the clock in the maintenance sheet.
3:10:11
